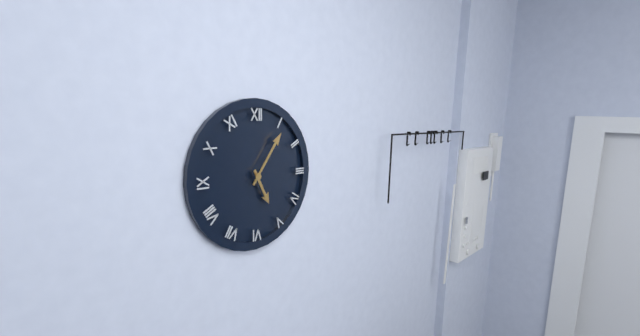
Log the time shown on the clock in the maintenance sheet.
5:06
